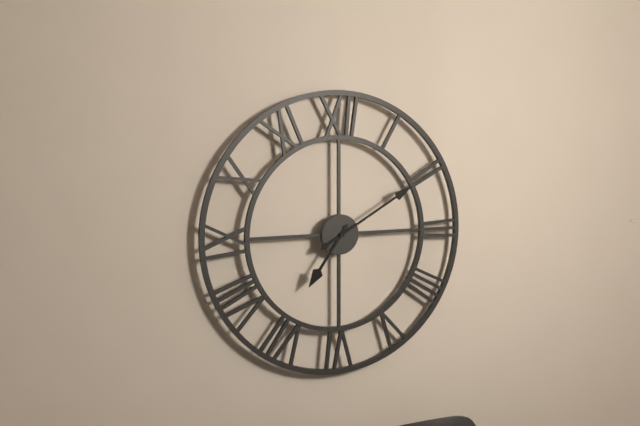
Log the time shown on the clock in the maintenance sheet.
7:10
